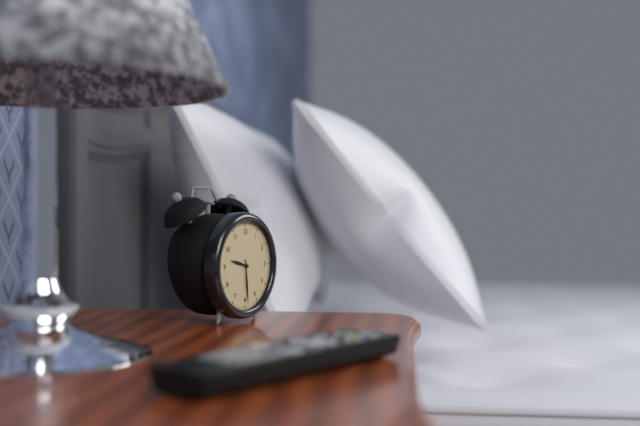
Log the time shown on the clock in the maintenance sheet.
9:29
